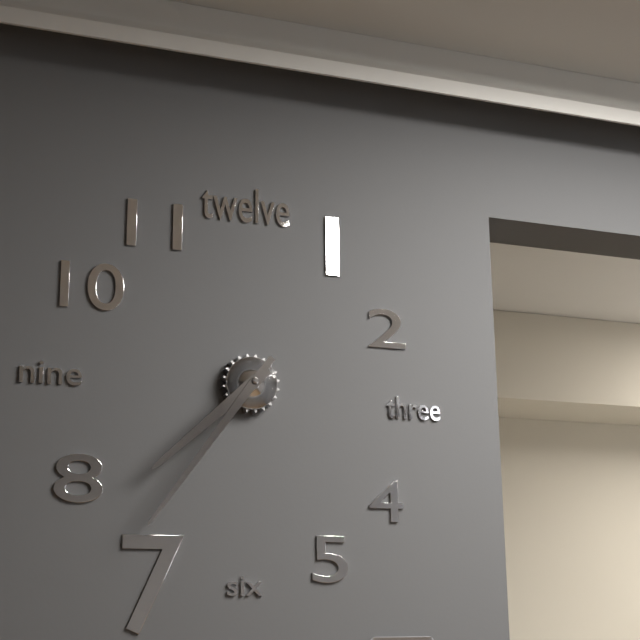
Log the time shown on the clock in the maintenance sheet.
7:36
